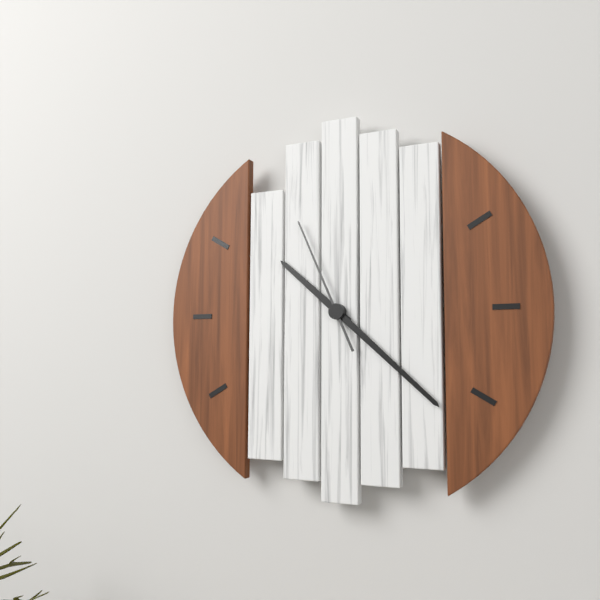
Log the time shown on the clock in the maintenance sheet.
10:22:56
